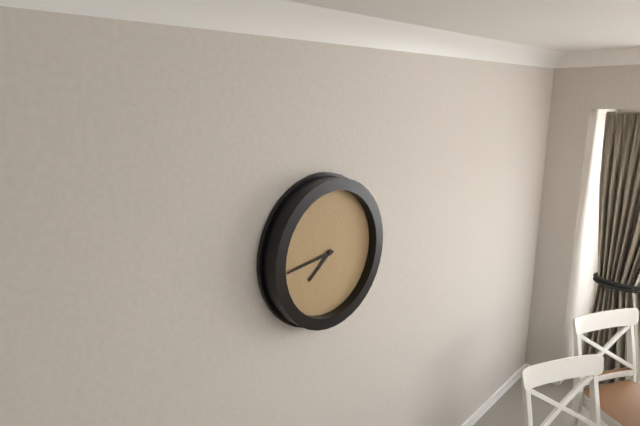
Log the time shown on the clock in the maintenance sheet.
7:44
